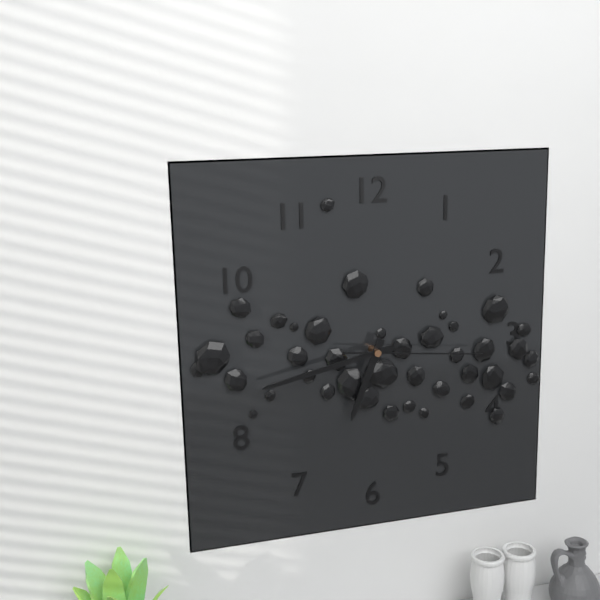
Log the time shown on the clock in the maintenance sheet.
6:43:16
